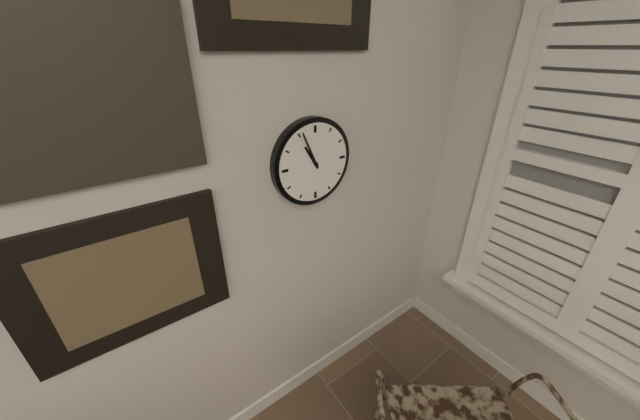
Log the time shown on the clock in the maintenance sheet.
10:56
